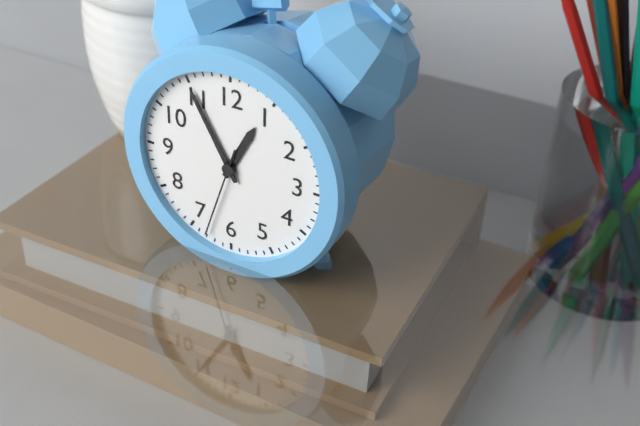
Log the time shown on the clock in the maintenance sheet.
12:55:33
